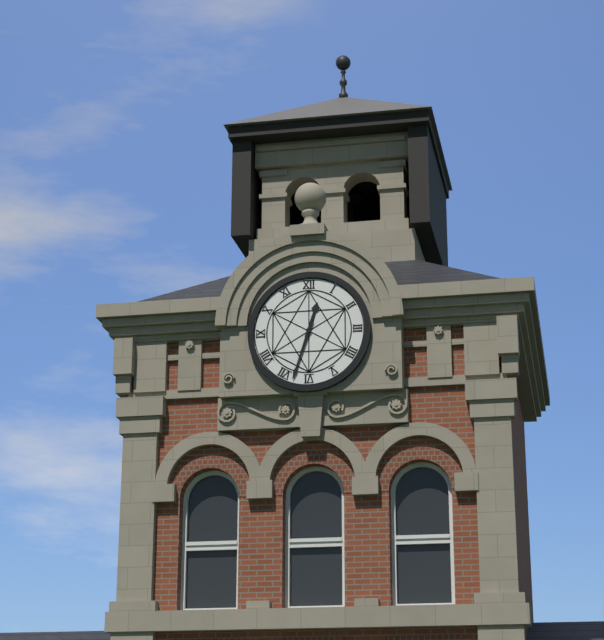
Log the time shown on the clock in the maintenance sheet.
12:33
